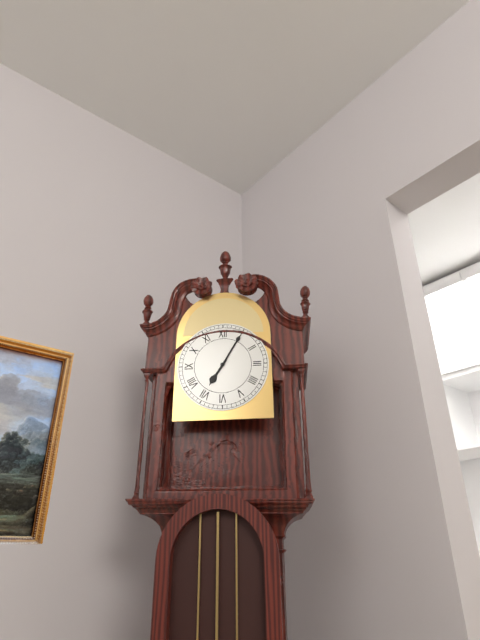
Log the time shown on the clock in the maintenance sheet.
7:05
